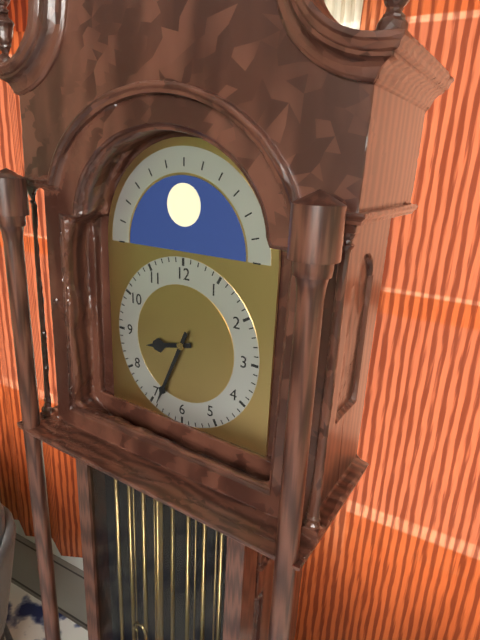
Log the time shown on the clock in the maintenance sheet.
8:34
